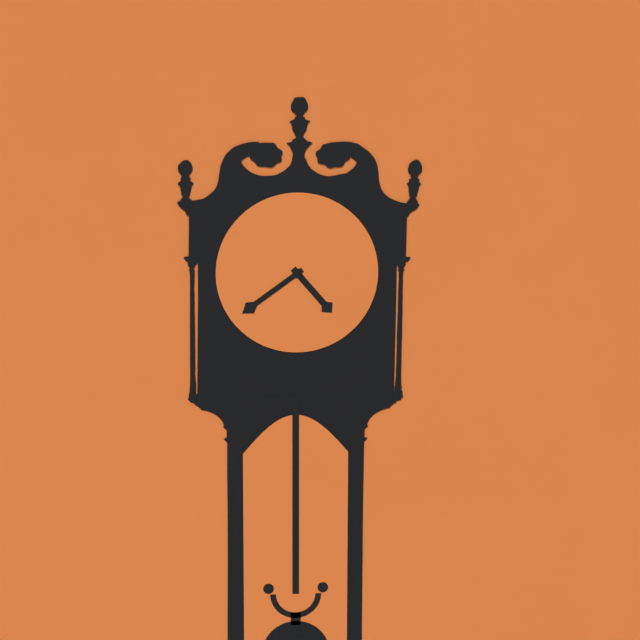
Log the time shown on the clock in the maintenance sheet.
4:39
